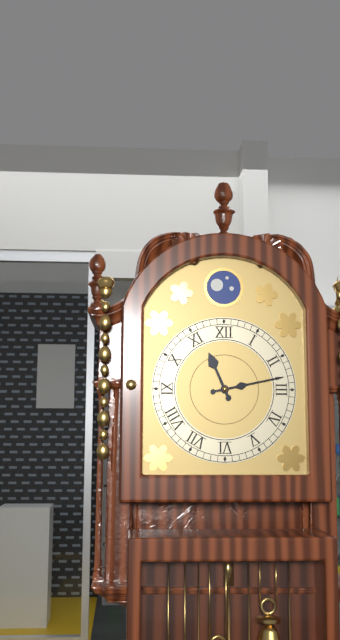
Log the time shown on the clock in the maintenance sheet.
11:13
